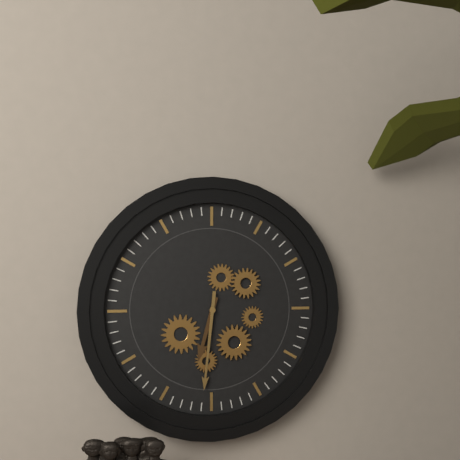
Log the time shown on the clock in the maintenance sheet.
6:31
